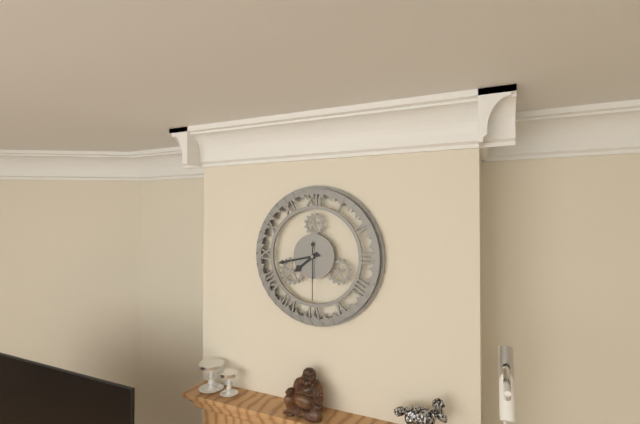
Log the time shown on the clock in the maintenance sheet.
7:43:30
